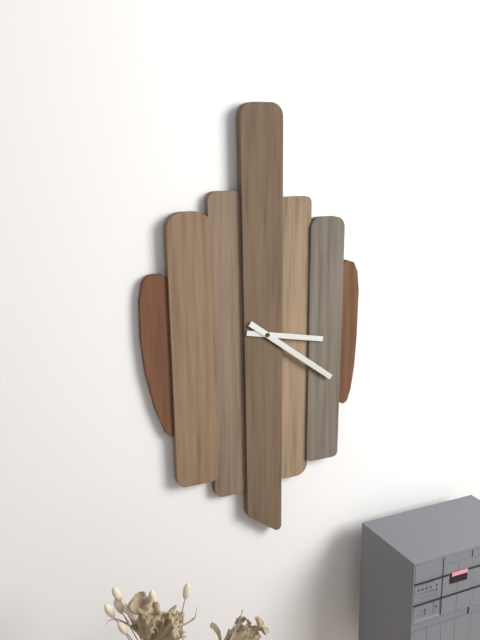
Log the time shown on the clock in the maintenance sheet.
3:21
